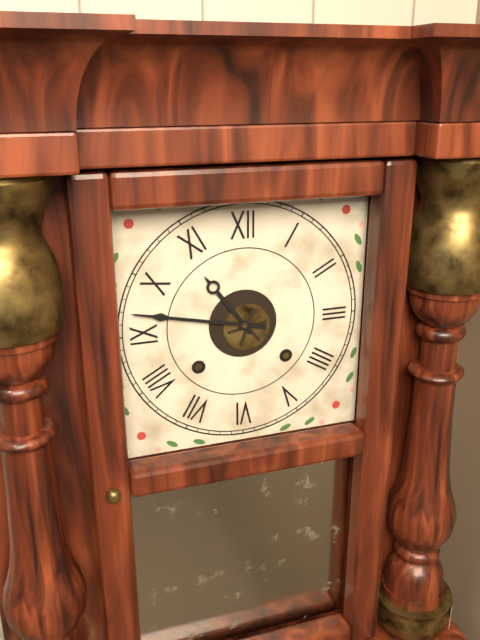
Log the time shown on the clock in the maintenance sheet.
10:47
